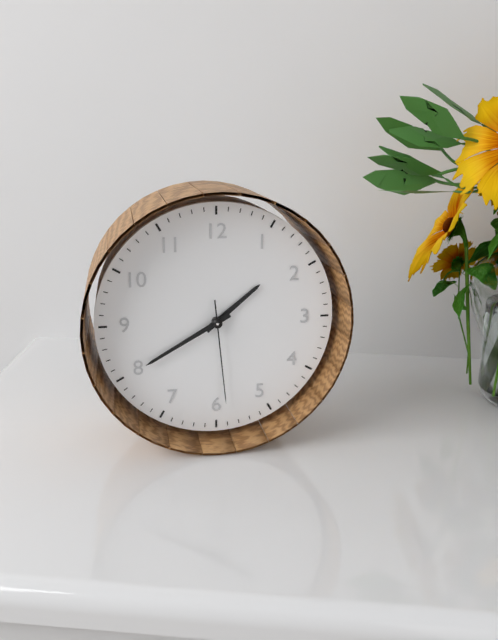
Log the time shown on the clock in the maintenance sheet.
1:40:29
